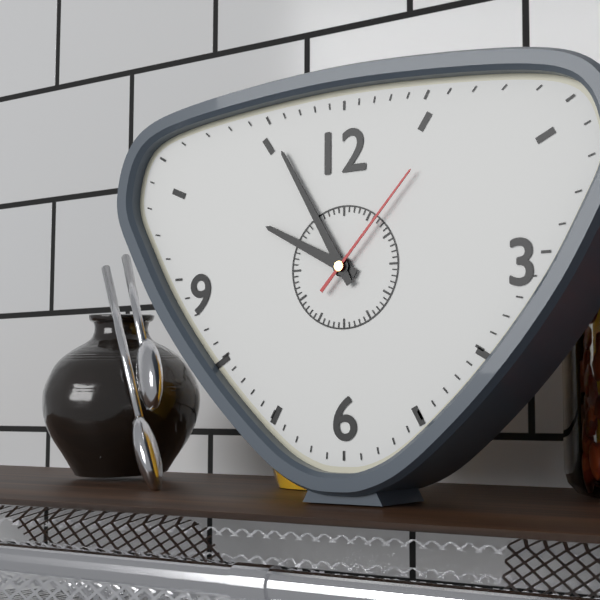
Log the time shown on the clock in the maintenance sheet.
9:55:07
